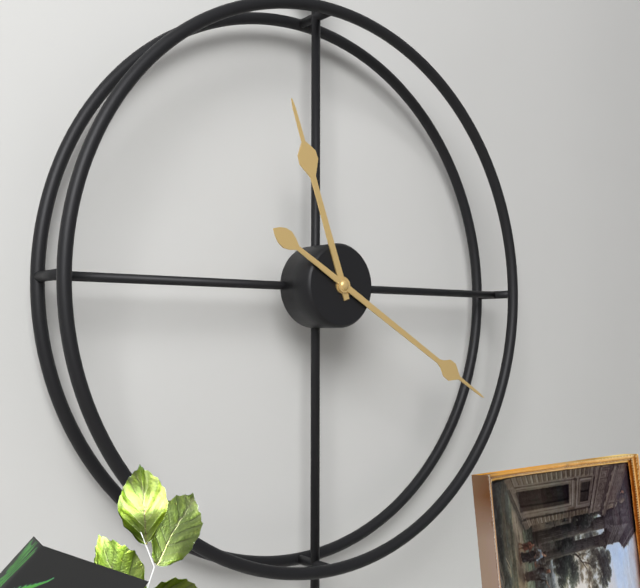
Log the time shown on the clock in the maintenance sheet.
11:20
